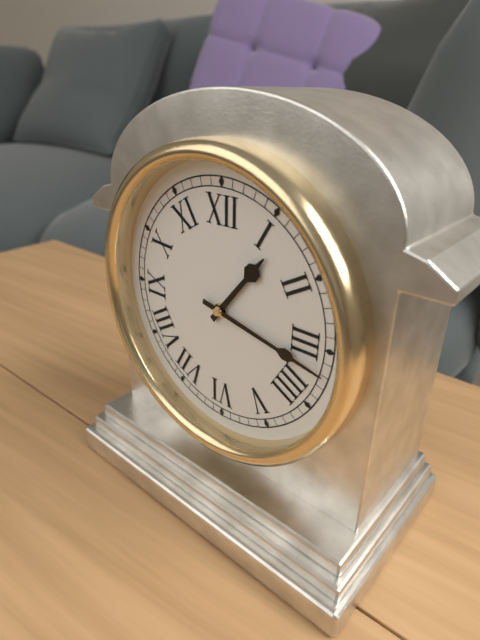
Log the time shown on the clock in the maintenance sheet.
1:17
